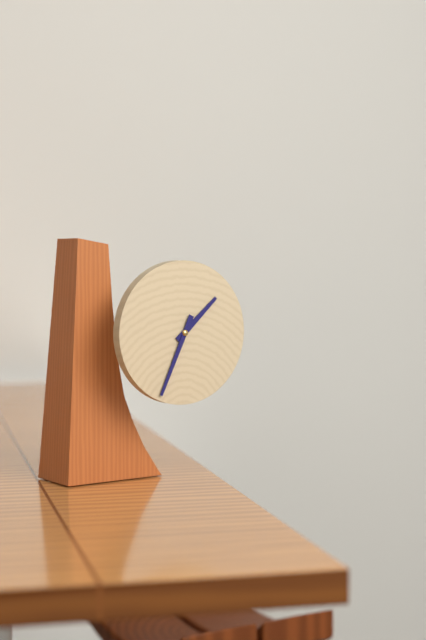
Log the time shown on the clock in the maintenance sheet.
1:34
